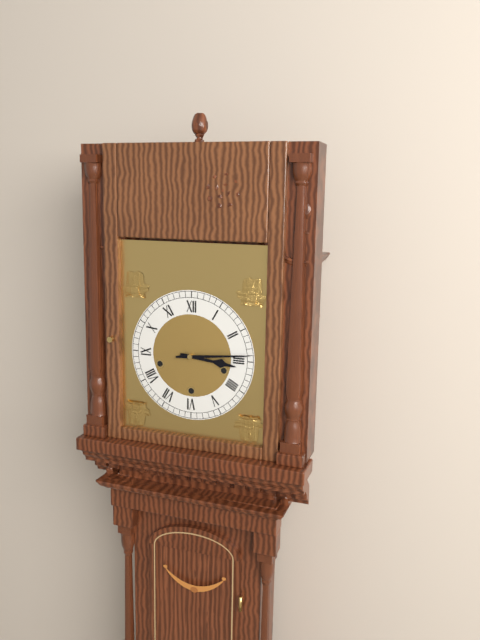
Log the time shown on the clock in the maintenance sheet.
3:14
